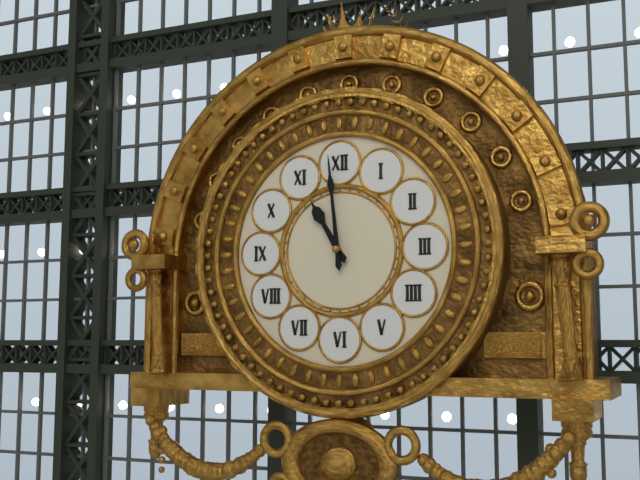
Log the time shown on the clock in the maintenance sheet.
10:59
